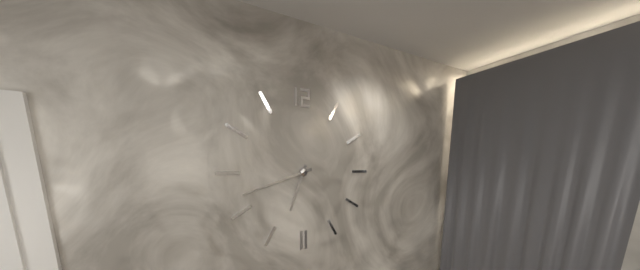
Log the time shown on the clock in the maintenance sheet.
6:42
